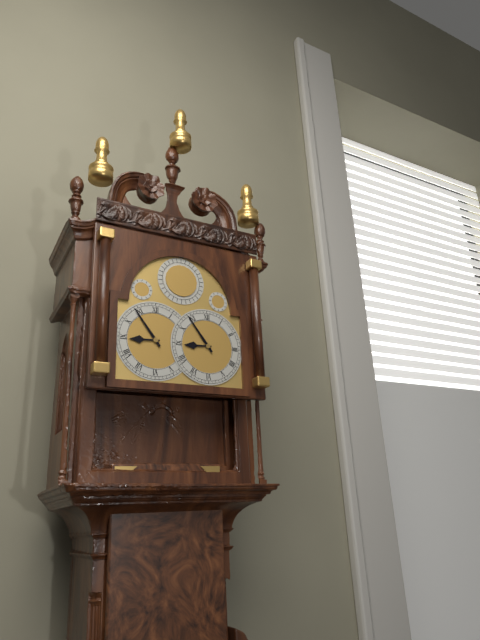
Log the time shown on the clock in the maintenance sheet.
8:54
